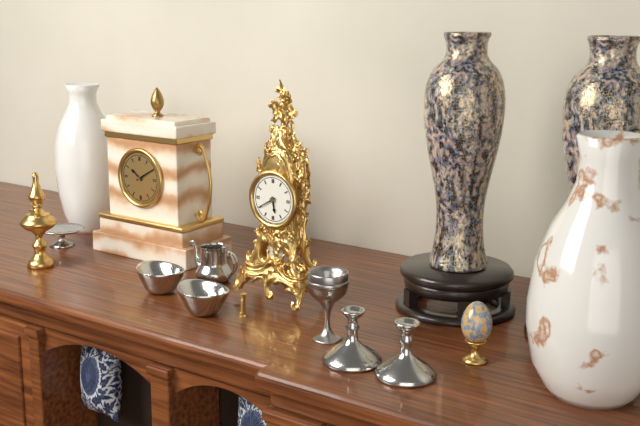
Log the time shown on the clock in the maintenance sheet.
5:40
